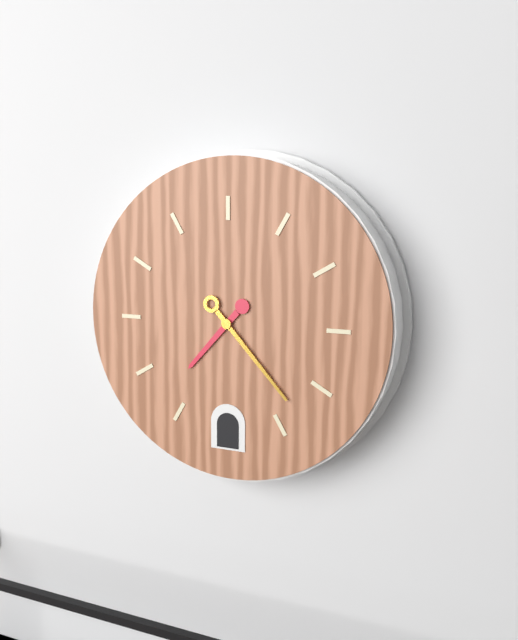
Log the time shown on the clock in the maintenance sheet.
7:23
